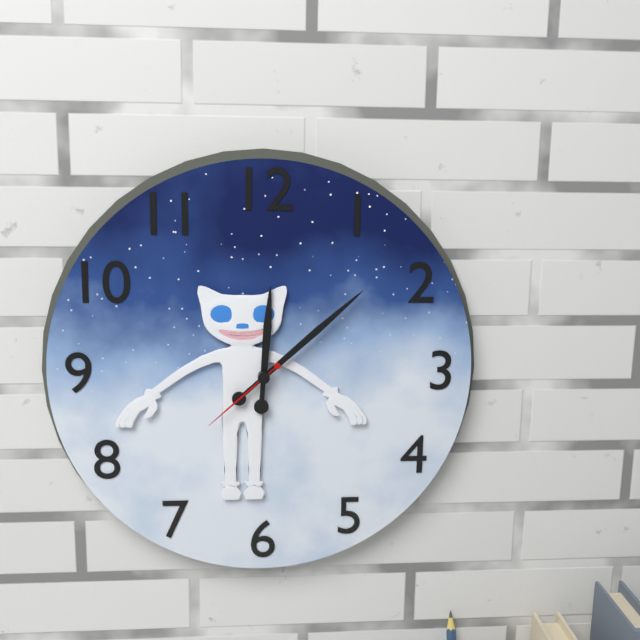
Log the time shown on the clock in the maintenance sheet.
12:08:38
